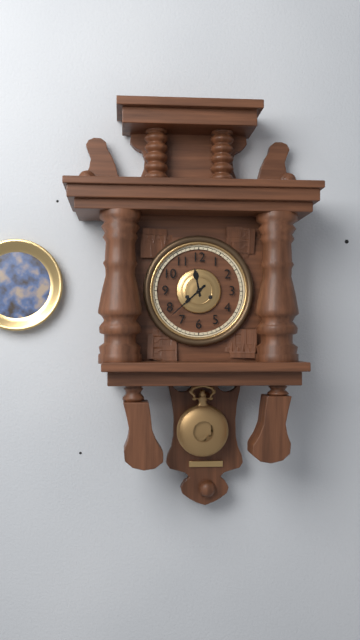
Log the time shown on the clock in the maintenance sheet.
11:38
